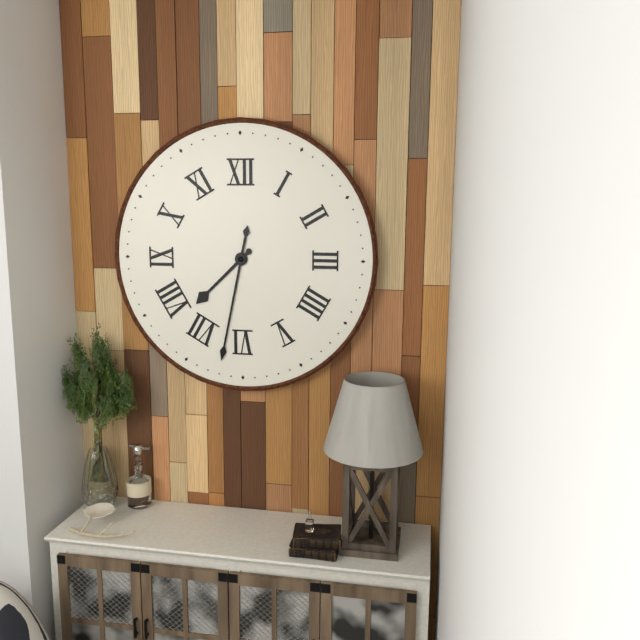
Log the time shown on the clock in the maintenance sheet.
7:32
